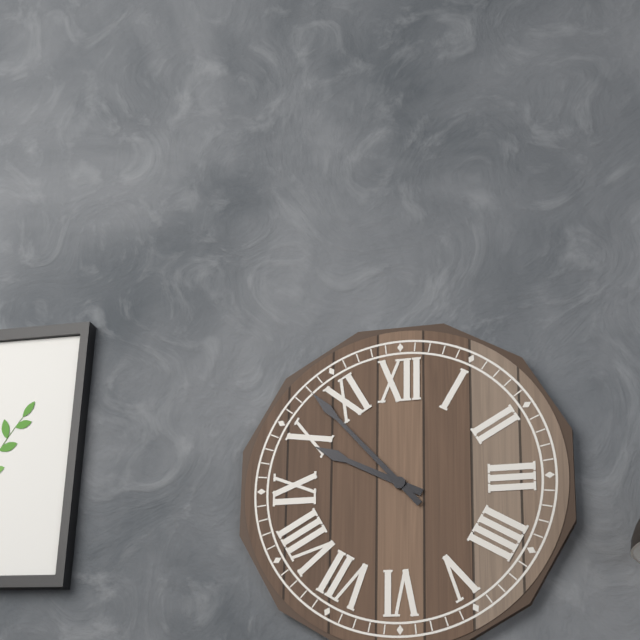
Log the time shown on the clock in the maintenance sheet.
9:53
